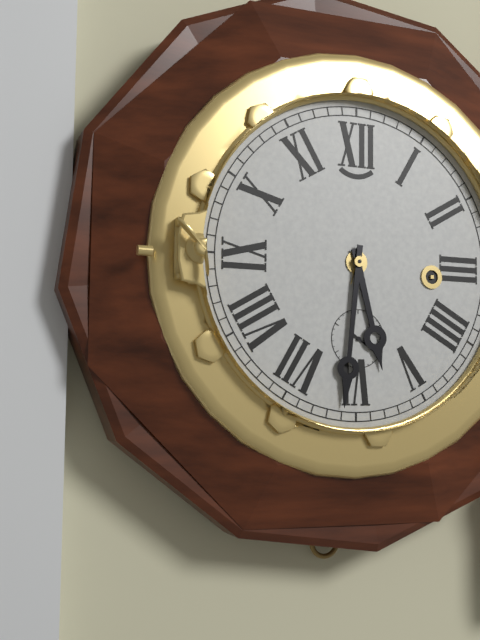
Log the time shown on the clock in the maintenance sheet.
5:31:21
